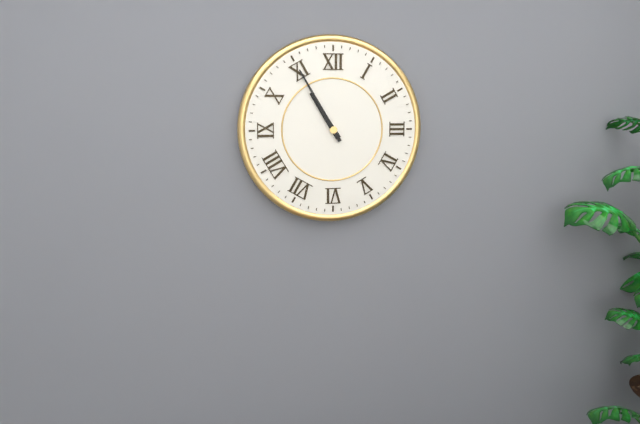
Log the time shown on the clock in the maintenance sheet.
10:55
